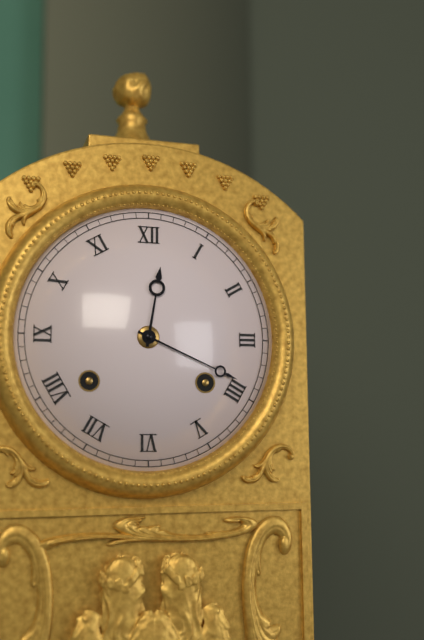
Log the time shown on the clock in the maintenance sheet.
12:19
